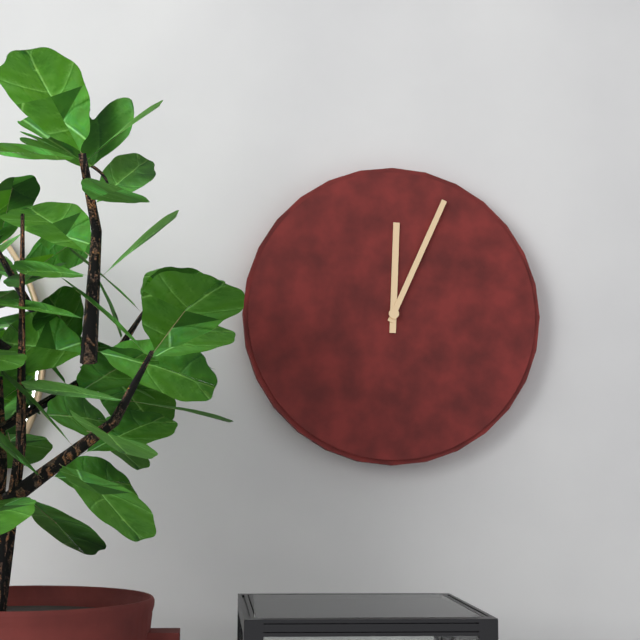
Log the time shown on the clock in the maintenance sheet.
12:04
